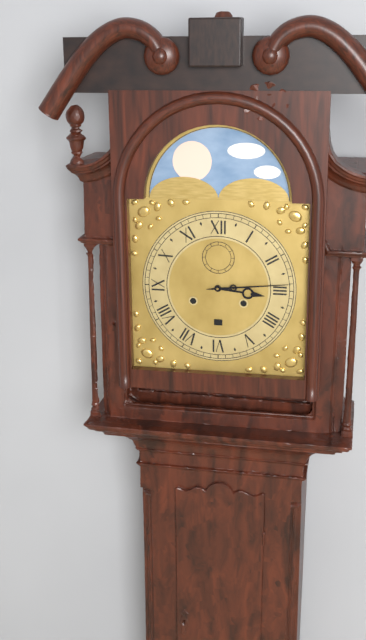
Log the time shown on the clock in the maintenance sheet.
3:14
